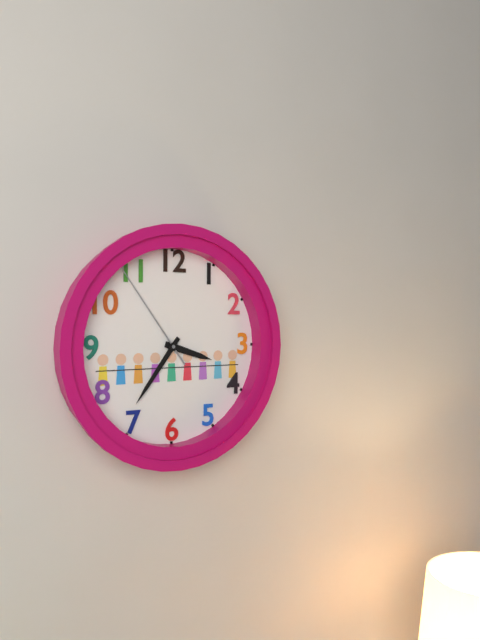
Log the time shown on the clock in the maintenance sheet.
3:36:54
